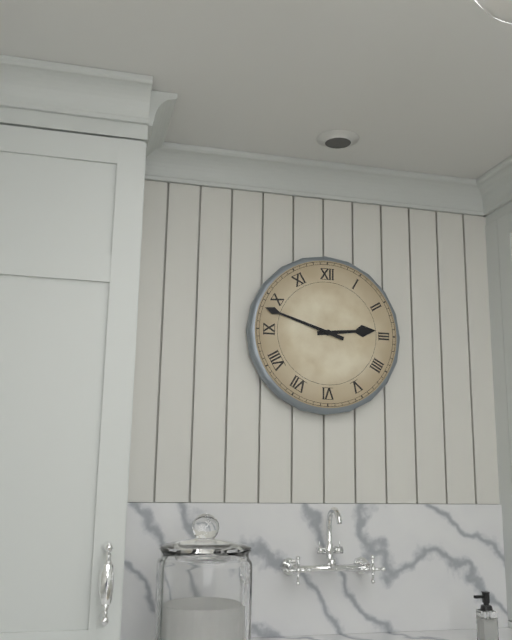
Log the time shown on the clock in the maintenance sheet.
2:48
